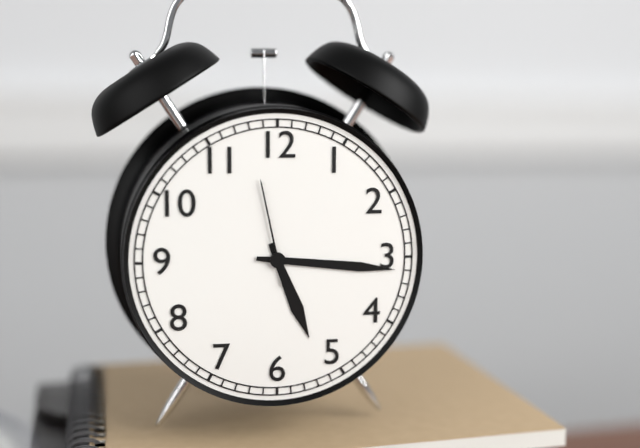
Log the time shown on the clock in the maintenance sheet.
5:16:58
